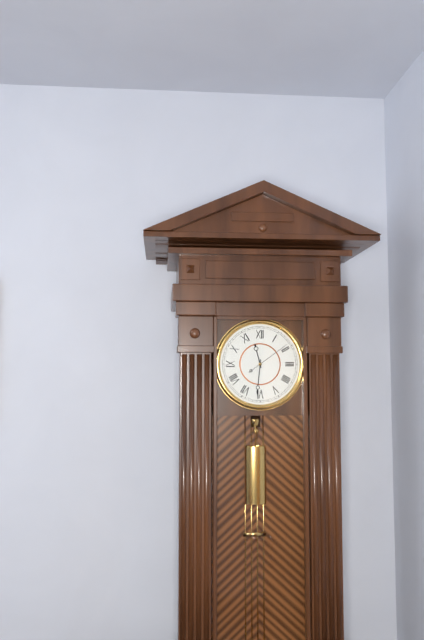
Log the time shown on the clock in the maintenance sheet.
11:31
